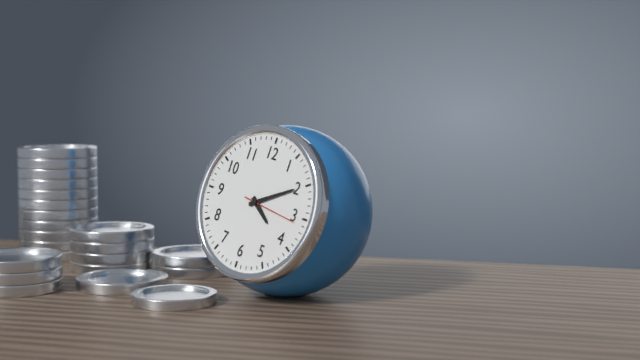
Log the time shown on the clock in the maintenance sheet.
4:10
